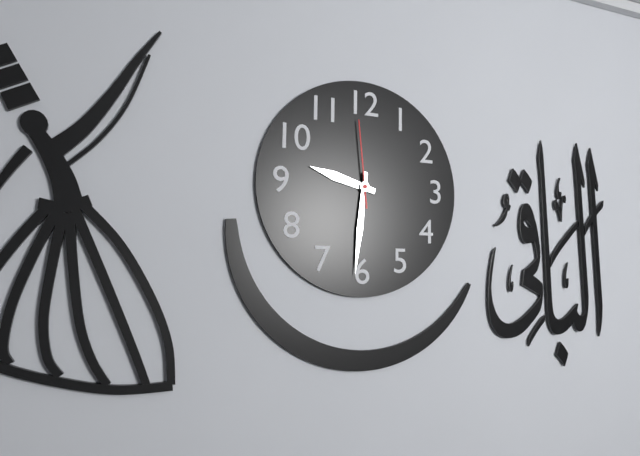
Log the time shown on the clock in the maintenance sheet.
9:31:59
